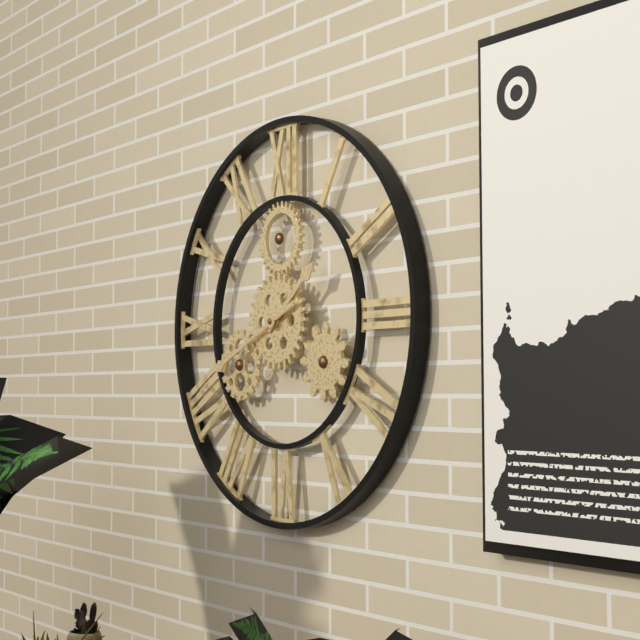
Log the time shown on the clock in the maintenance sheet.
1:41
